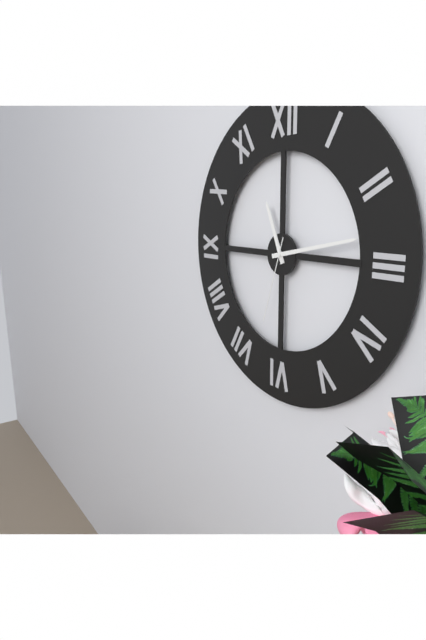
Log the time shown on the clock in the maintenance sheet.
11:13:33
